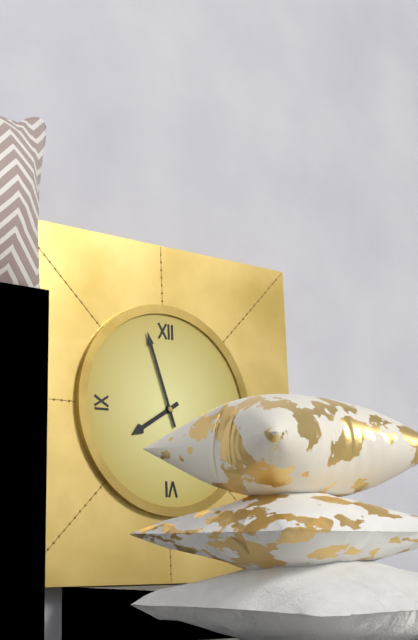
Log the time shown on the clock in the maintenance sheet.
7:57
